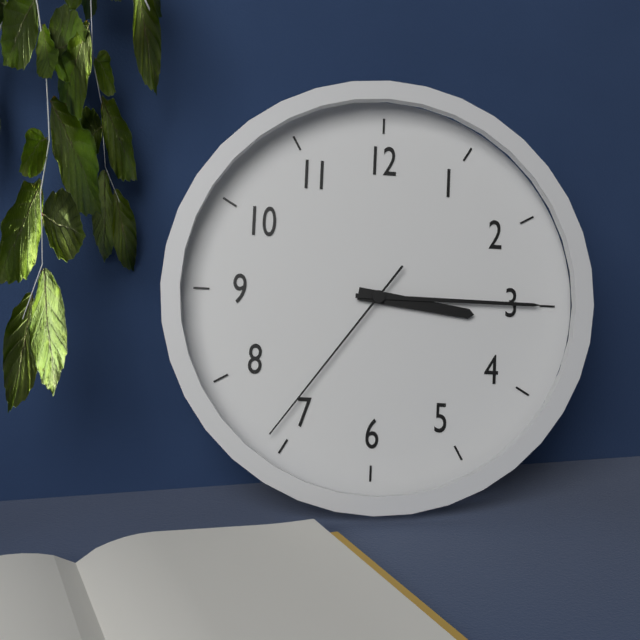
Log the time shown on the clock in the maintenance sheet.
3:15:36
